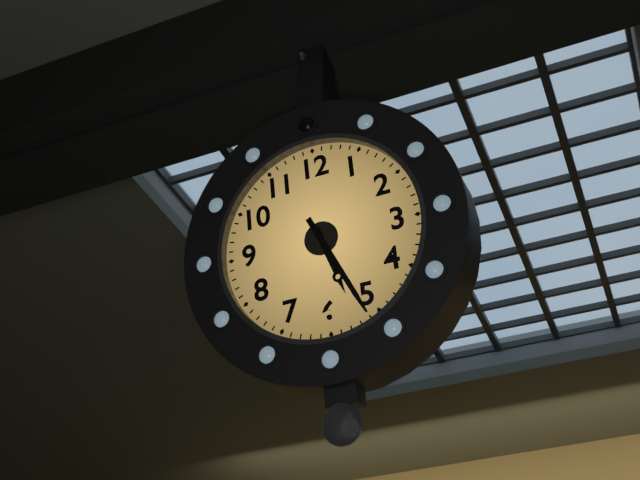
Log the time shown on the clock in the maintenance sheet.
5:26
